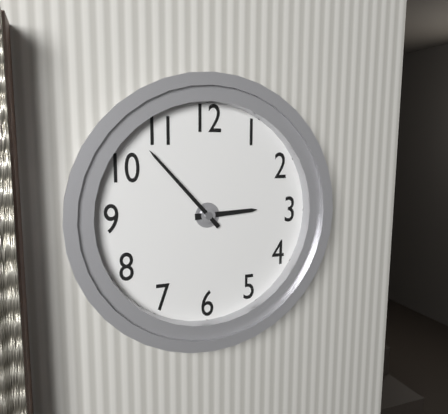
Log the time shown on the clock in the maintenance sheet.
2:53
